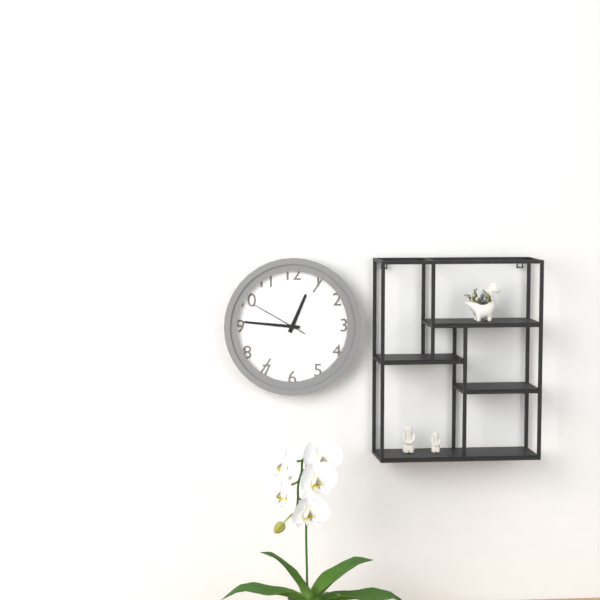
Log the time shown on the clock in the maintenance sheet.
12:46:50
